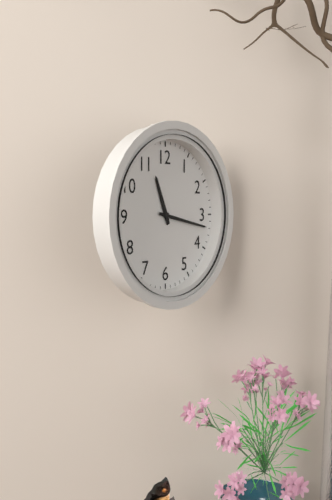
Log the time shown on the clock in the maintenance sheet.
11:17
